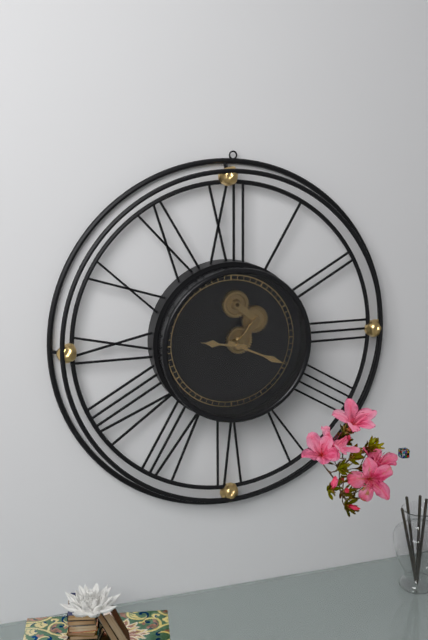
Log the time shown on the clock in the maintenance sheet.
9:19
